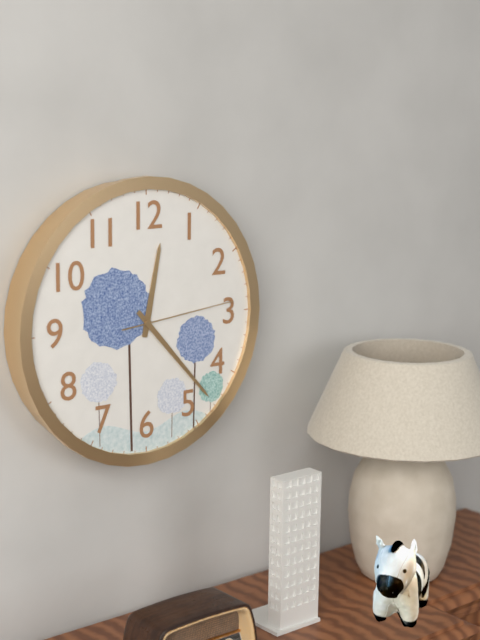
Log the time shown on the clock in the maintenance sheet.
12:23:14
